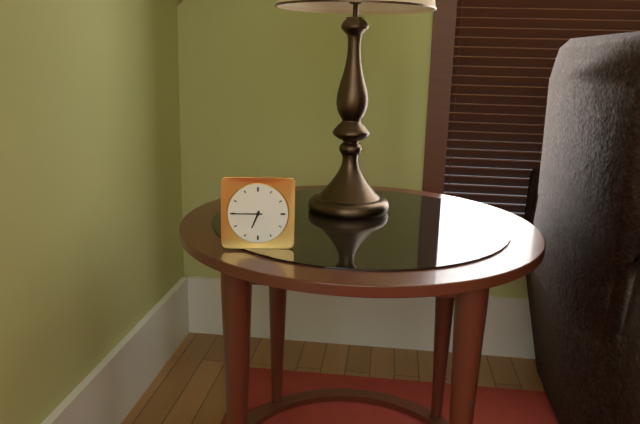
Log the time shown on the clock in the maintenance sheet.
6:45
